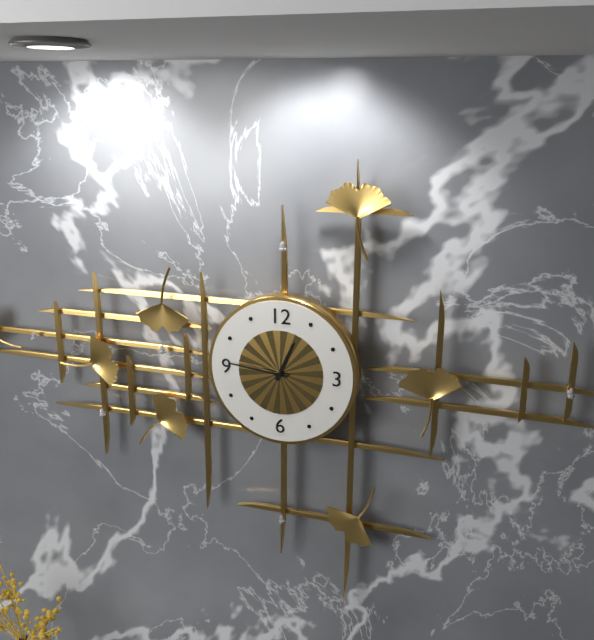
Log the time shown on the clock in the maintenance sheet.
12:46
